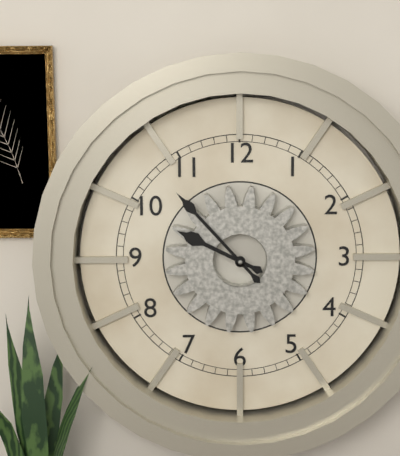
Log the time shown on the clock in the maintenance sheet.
9:53
